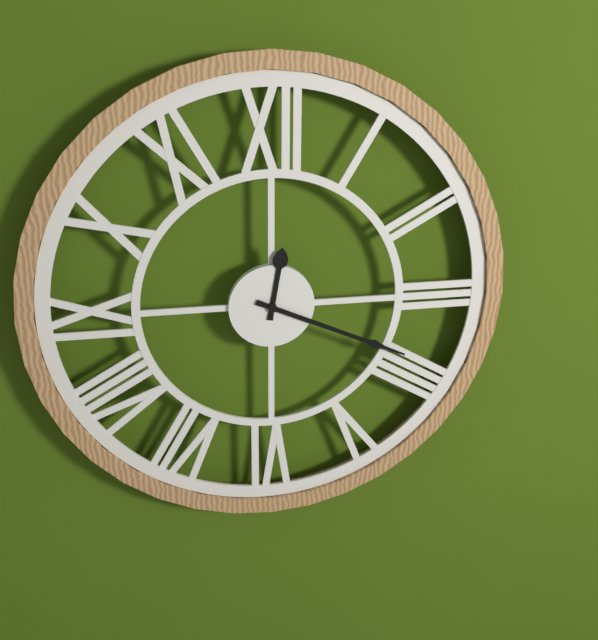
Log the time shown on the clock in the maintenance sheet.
12:19
